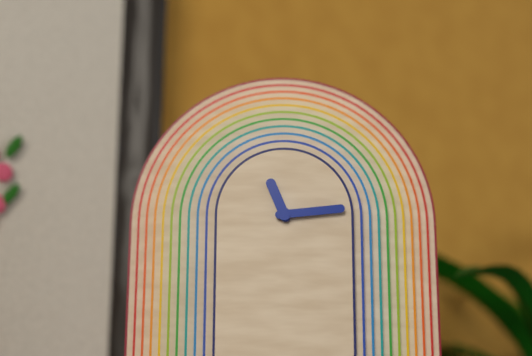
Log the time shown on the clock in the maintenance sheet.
11:14
